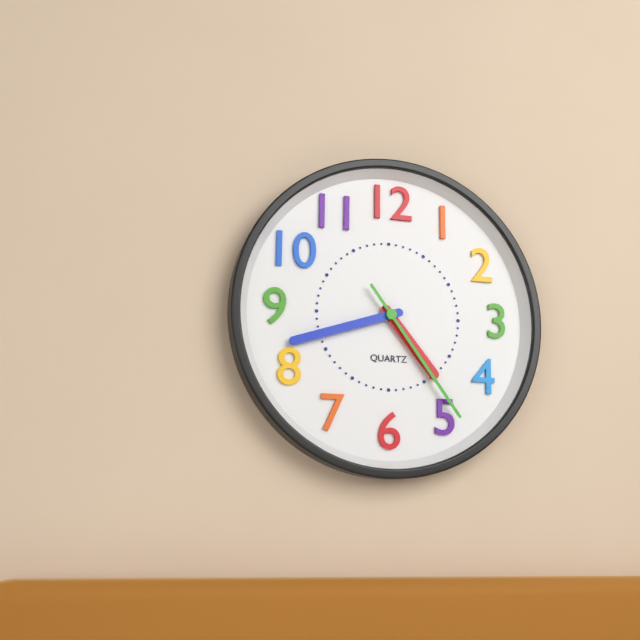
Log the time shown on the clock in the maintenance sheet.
4:42:24
